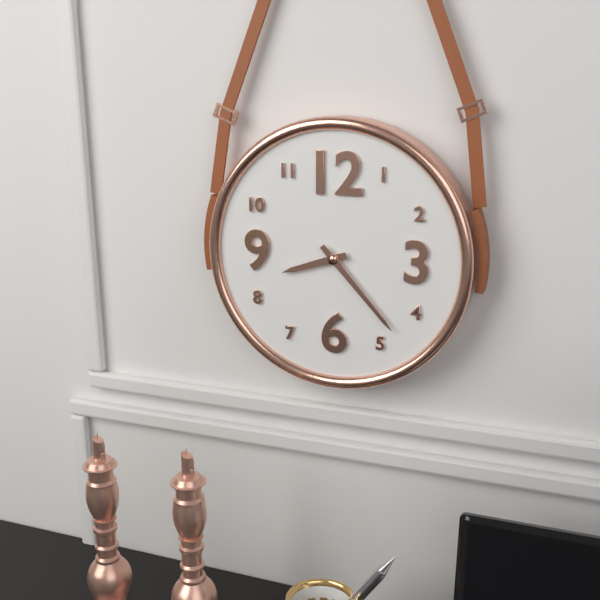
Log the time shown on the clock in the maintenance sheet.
8:23
